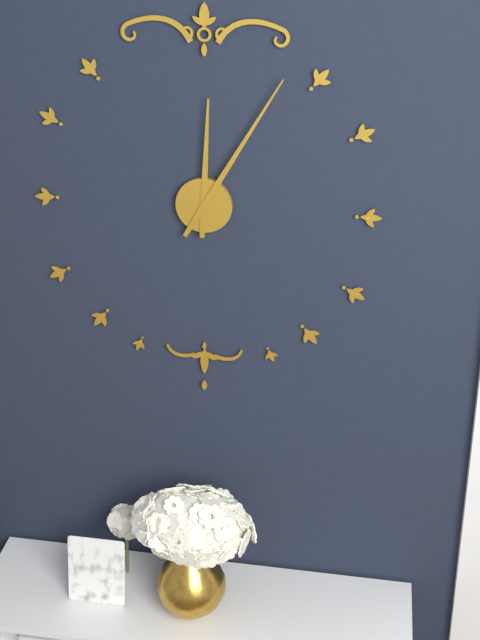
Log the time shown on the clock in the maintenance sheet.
12:05
